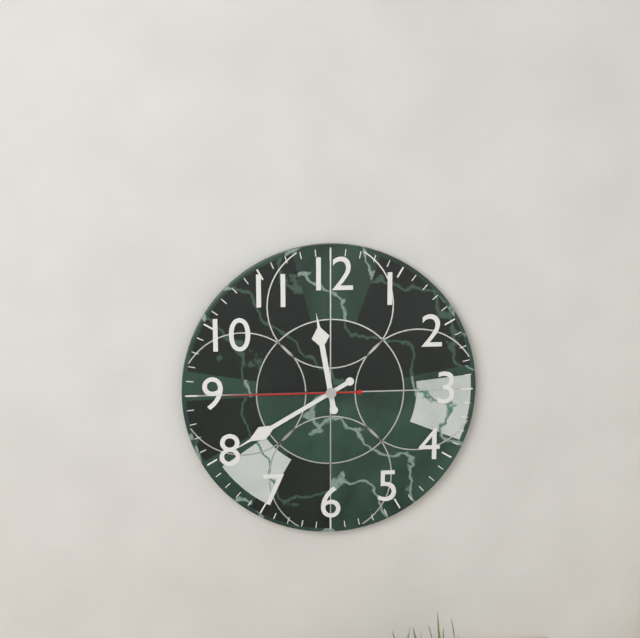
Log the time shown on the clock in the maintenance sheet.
11:40:45
